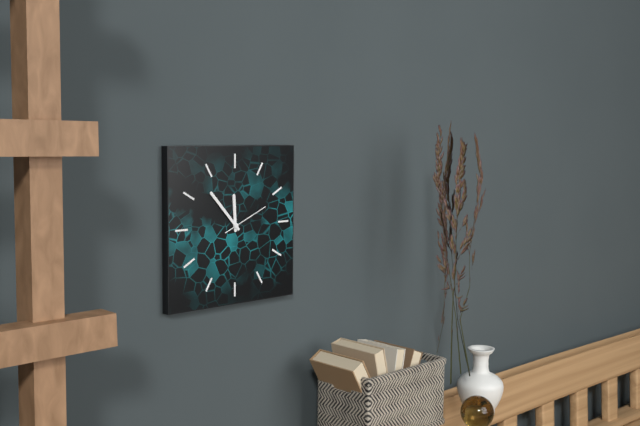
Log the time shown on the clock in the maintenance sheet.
11:53
